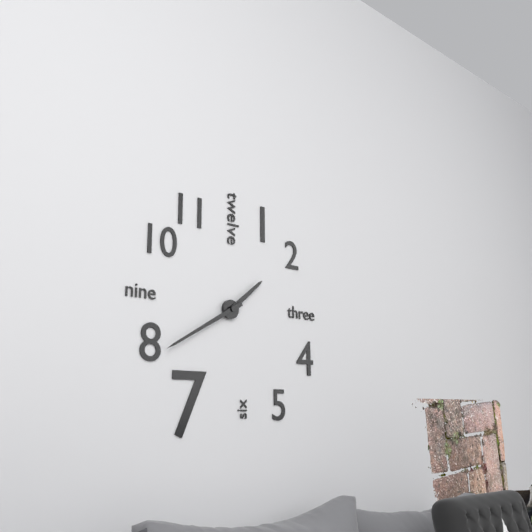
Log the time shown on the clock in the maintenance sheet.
1:40
